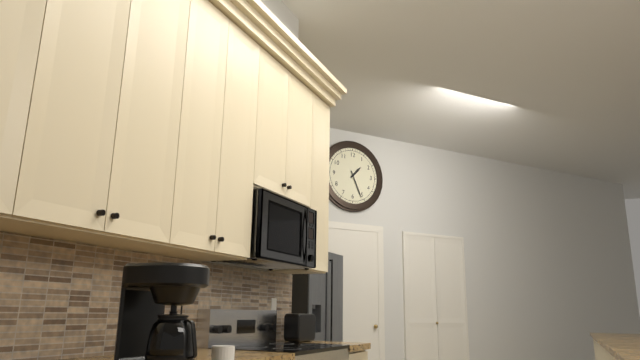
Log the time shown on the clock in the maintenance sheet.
1:26
